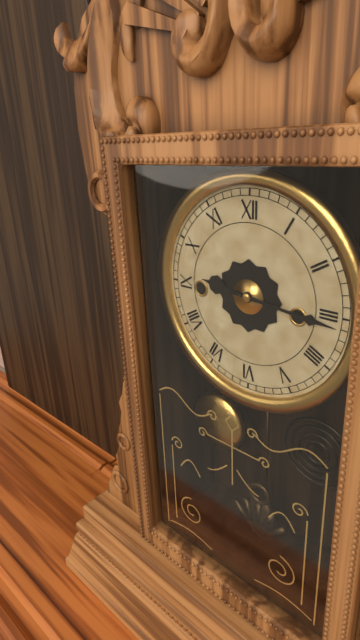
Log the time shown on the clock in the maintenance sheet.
9:16
